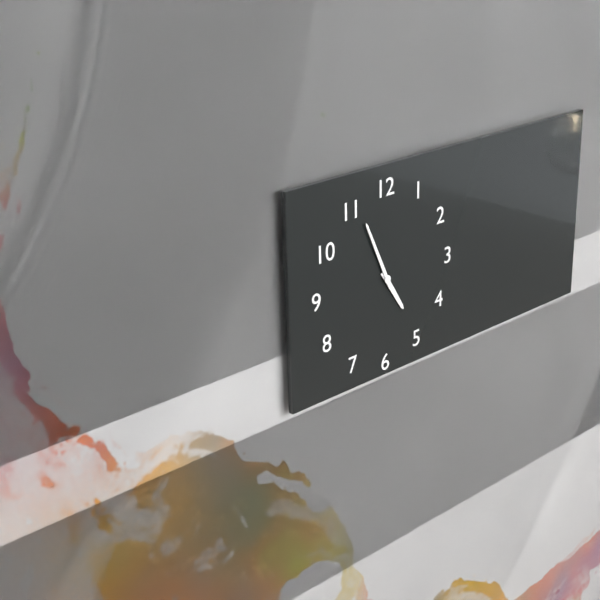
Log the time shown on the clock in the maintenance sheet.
4:56
